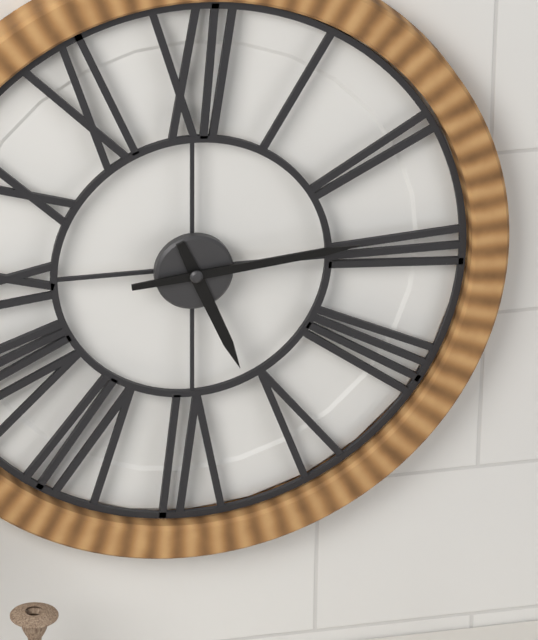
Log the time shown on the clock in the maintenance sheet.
5:14
